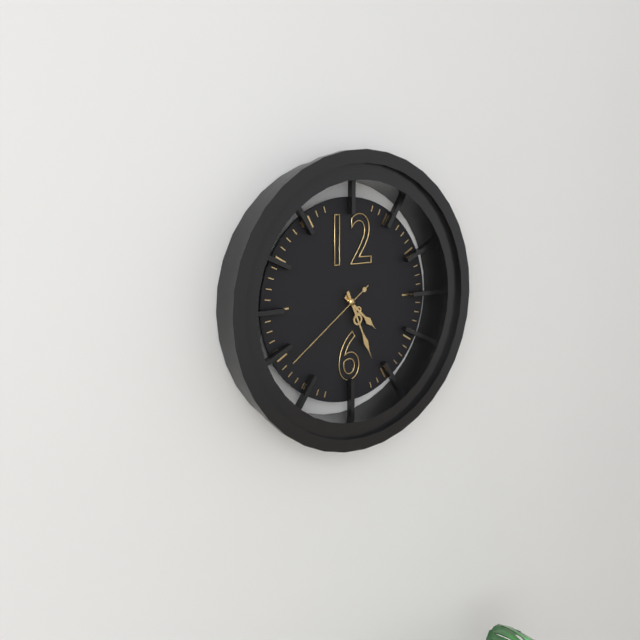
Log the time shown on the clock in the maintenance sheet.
4:26:39
